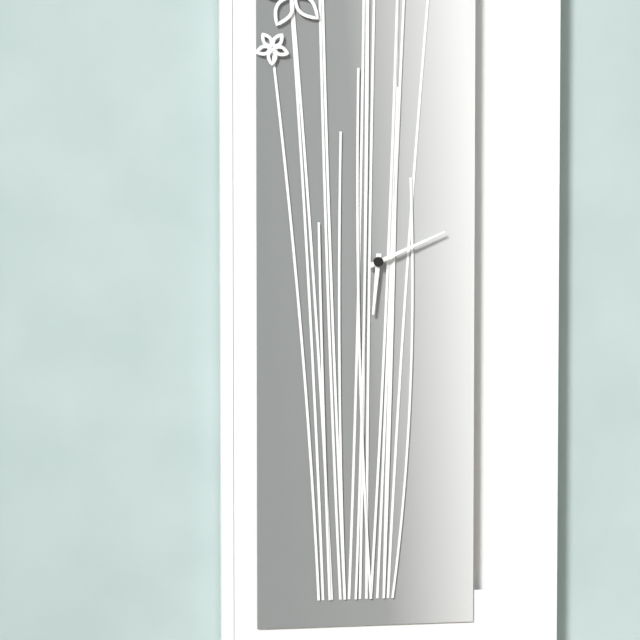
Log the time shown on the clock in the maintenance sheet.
6:11
